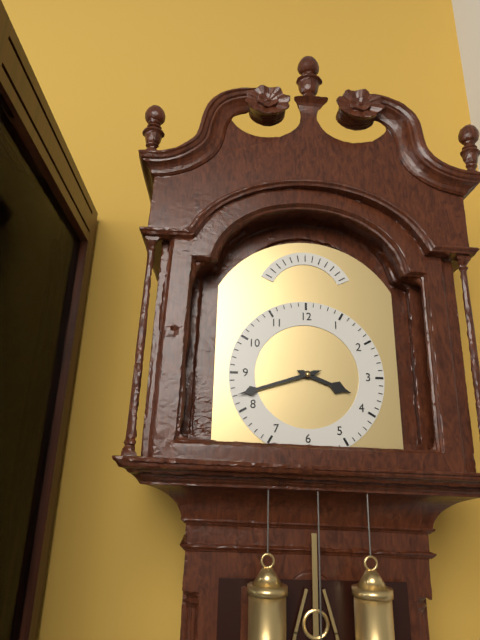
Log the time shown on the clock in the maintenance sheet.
3:42
